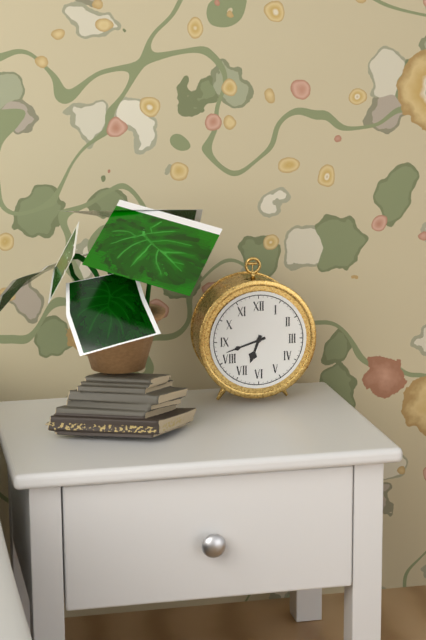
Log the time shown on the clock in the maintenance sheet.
6:42
